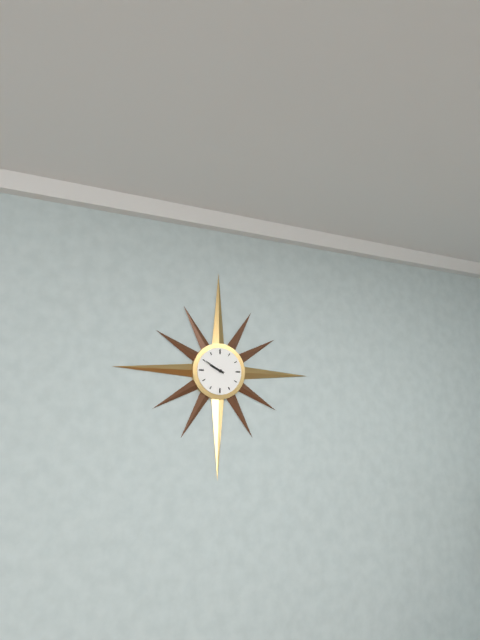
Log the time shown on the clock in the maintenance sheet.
9:50
